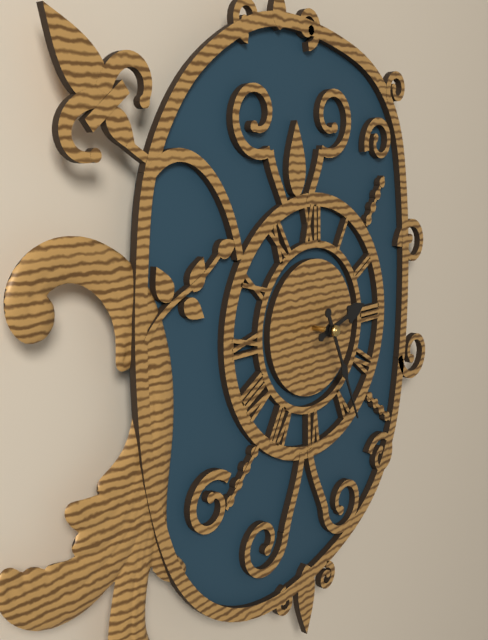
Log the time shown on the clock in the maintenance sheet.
2:26
